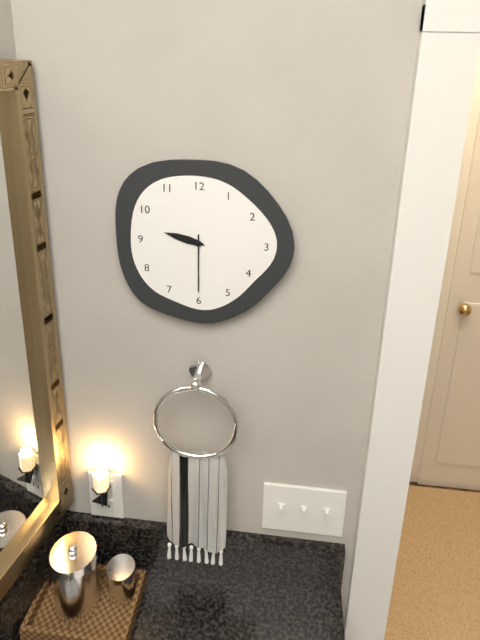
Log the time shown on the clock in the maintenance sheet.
9:30
